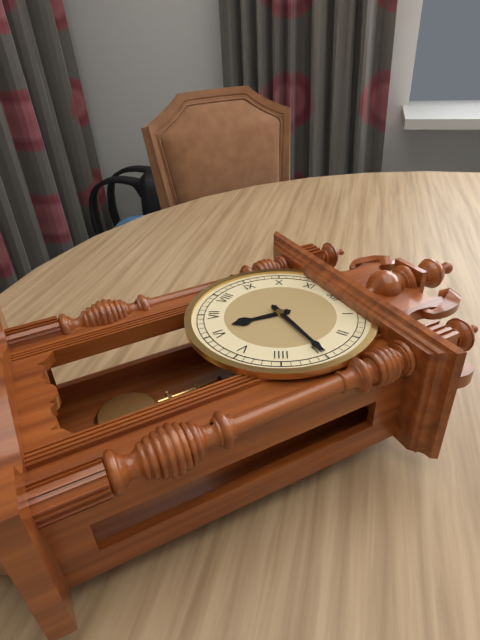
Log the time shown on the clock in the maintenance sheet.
6:15
